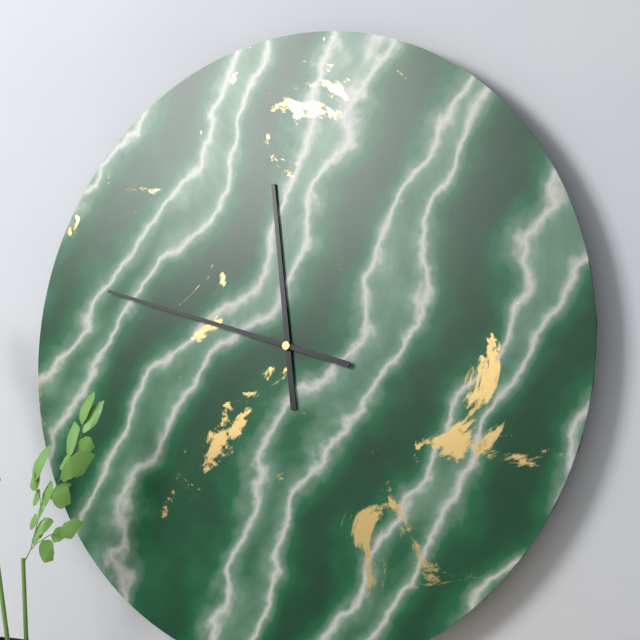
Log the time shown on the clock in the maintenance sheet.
11:48
